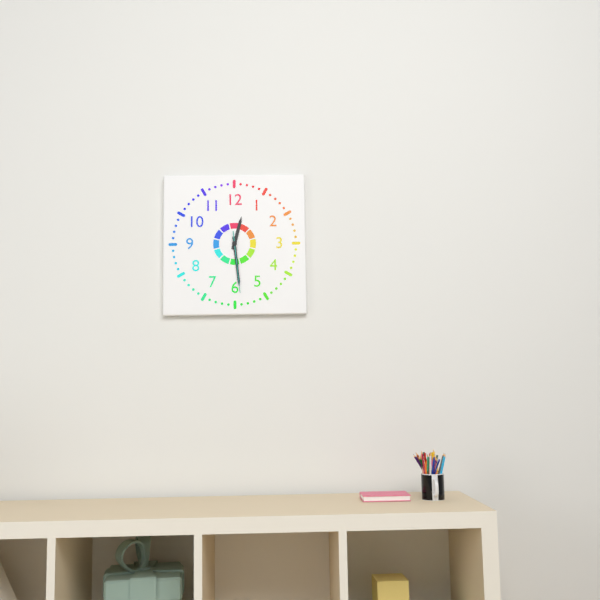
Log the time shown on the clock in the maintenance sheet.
12:29:29
